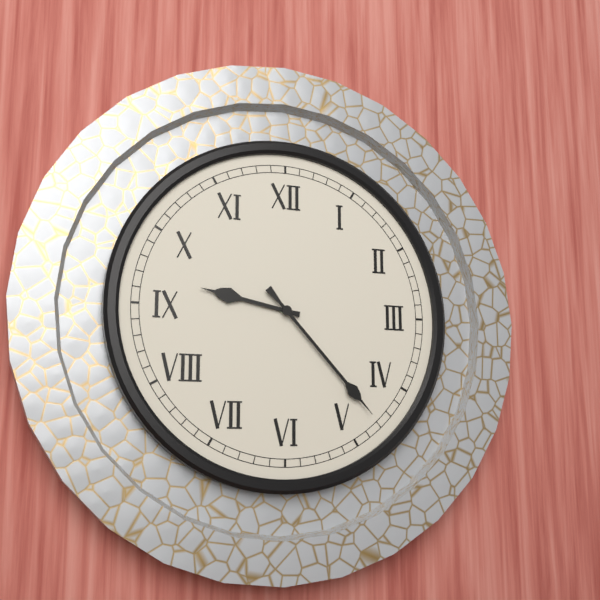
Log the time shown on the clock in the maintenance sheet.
9:23
